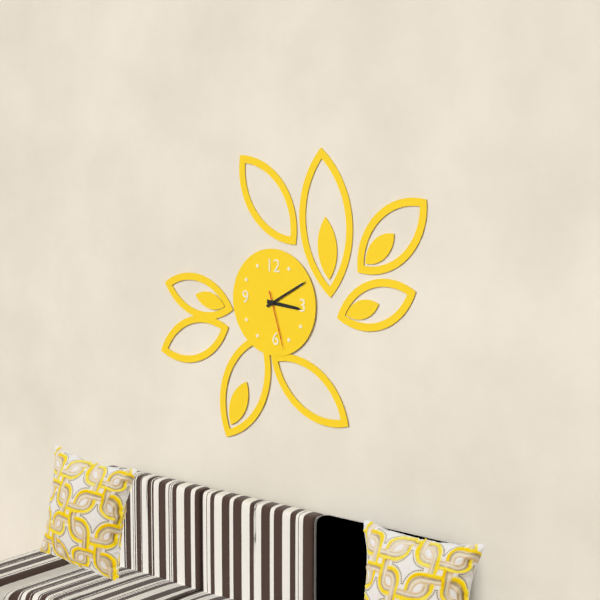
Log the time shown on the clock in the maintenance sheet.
3:10:27
